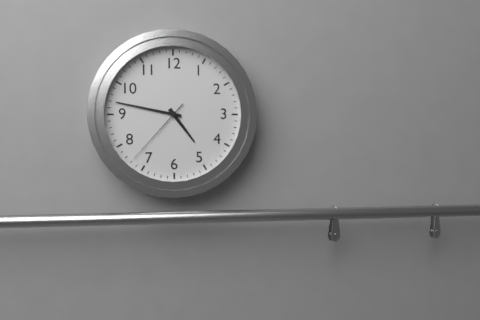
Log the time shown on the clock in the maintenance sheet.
4:47:37
